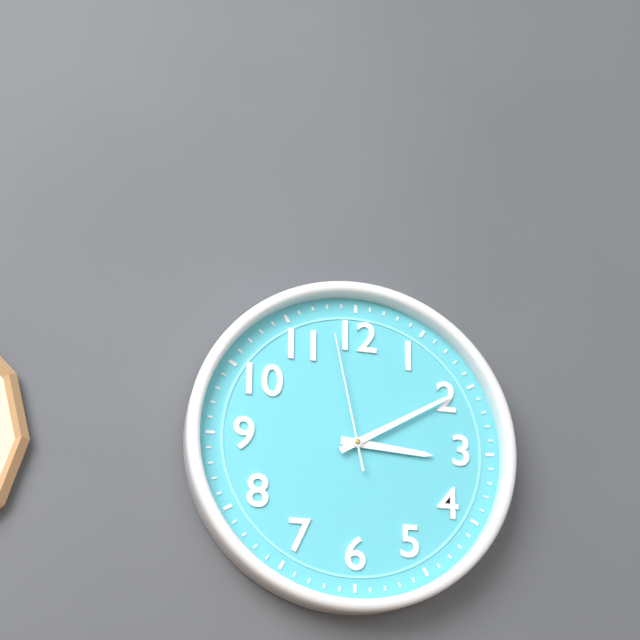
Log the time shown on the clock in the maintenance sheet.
3:10:58
